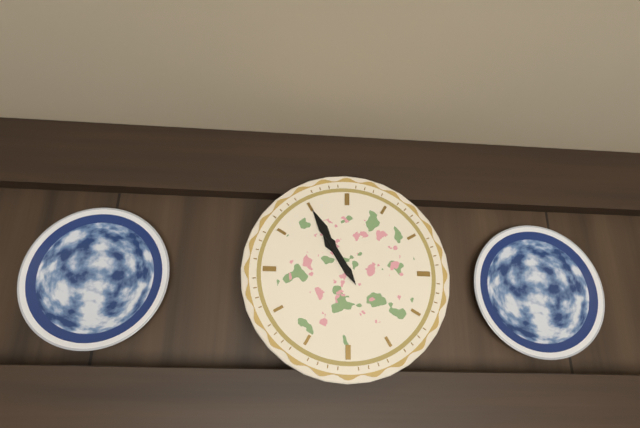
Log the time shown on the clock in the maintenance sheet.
10:55
